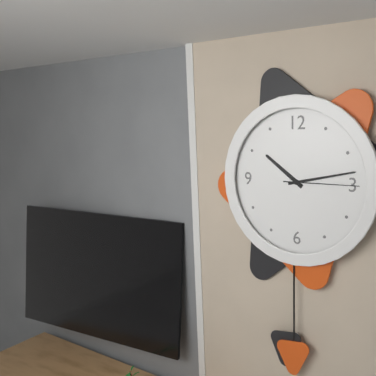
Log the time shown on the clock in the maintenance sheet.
10:13:15
